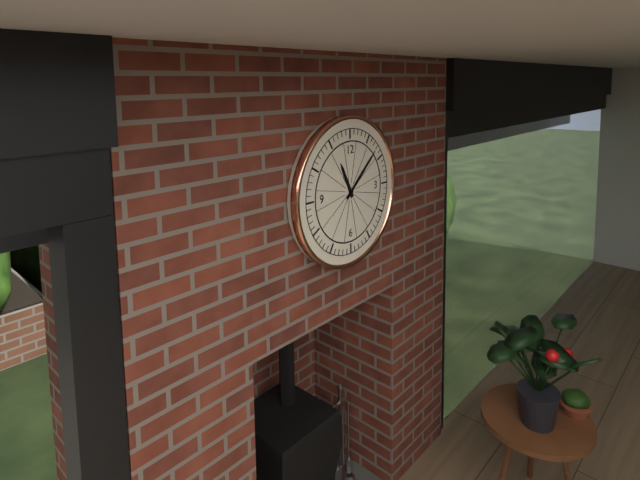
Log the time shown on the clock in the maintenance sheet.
11:08
